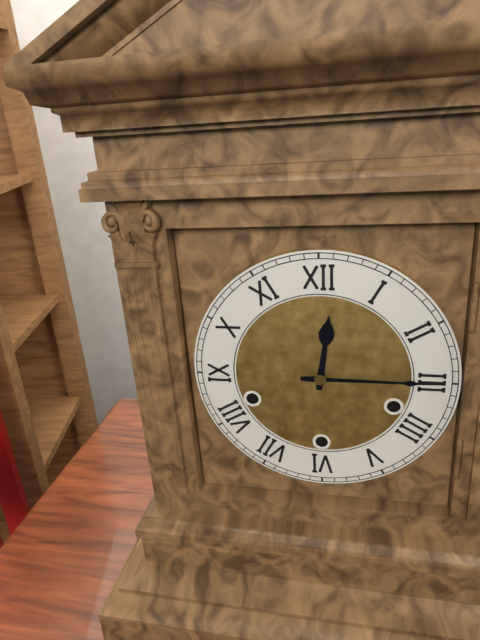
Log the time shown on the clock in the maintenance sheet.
12:15
